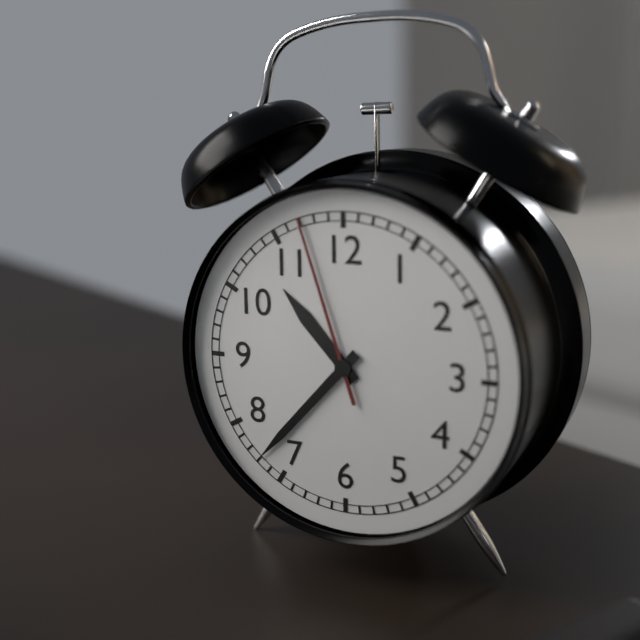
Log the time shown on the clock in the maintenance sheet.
10:37:57
